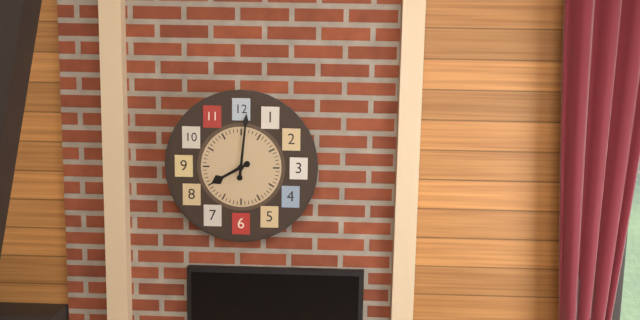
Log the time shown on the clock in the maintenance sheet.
8:01
